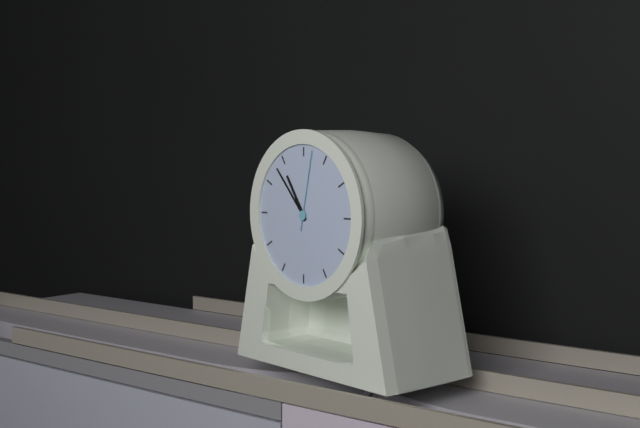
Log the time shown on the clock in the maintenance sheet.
10:53:02
